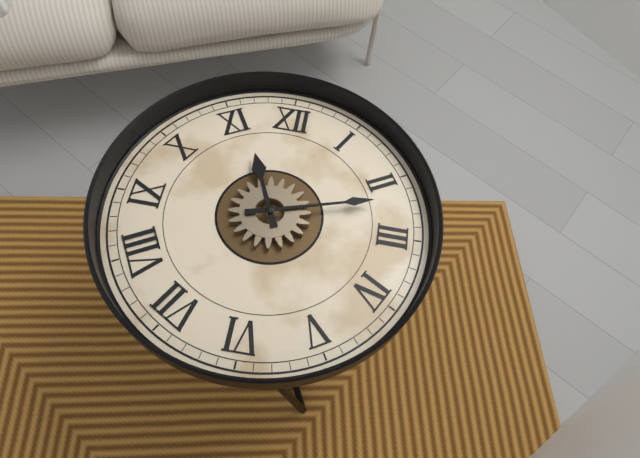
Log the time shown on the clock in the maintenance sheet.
11:12
